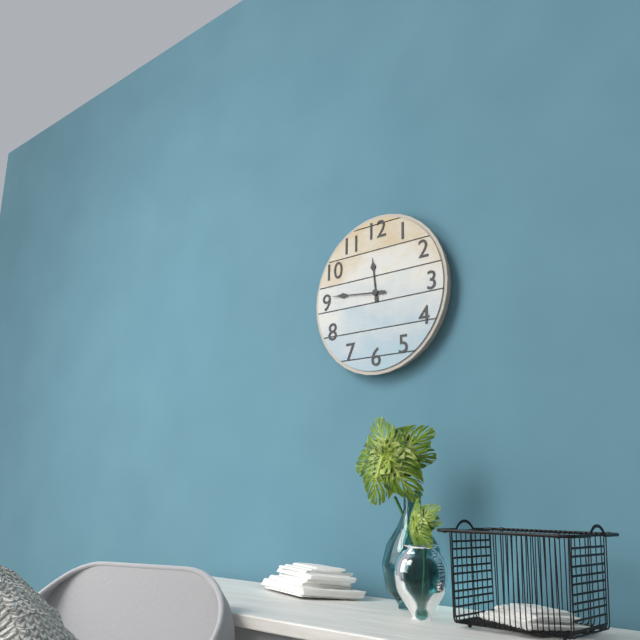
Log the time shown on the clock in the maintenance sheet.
11:46
